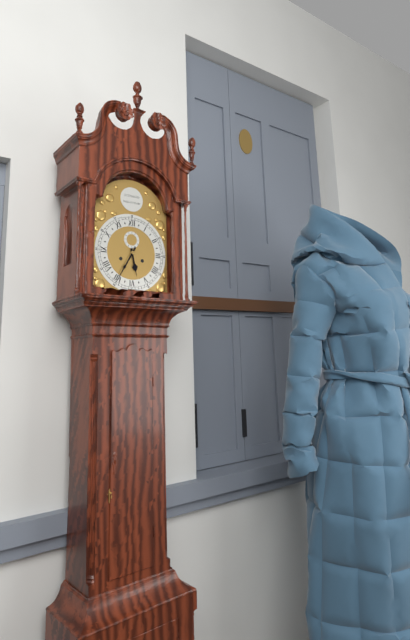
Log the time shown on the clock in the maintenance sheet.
5:35
